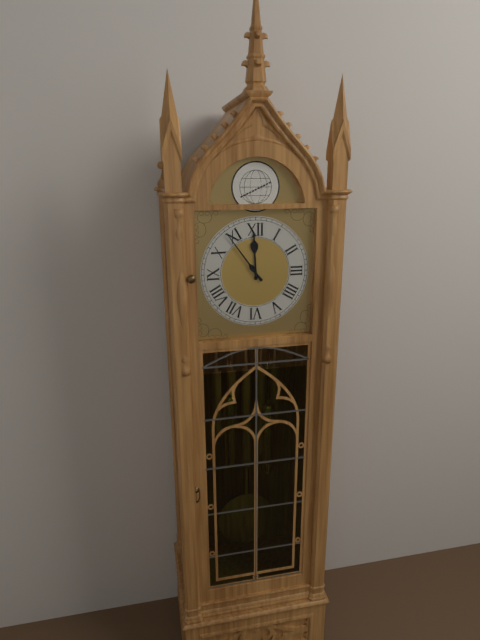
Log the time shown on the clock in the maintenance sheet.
11:54
